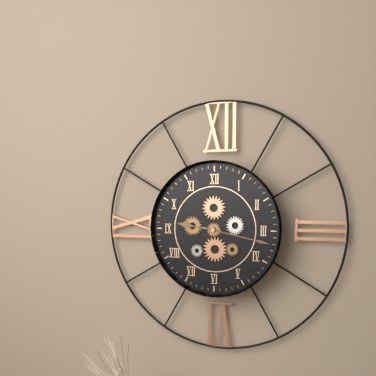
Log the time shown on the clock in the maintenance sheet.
9:17
